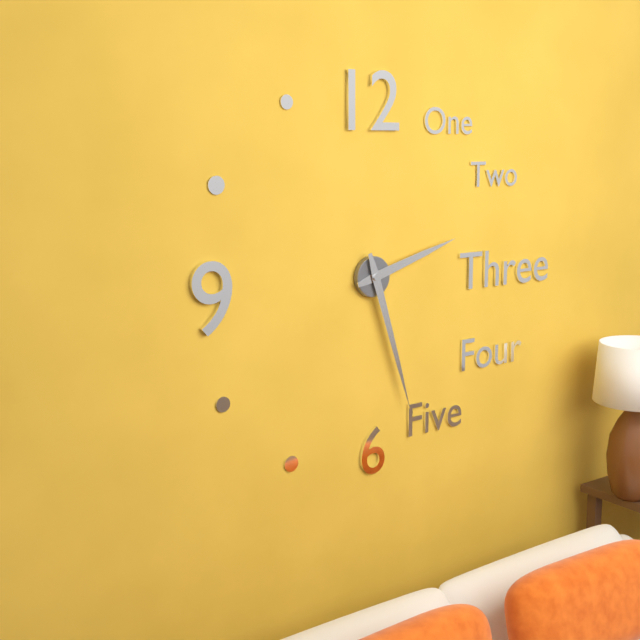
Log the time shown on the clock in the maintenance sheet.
2:27
